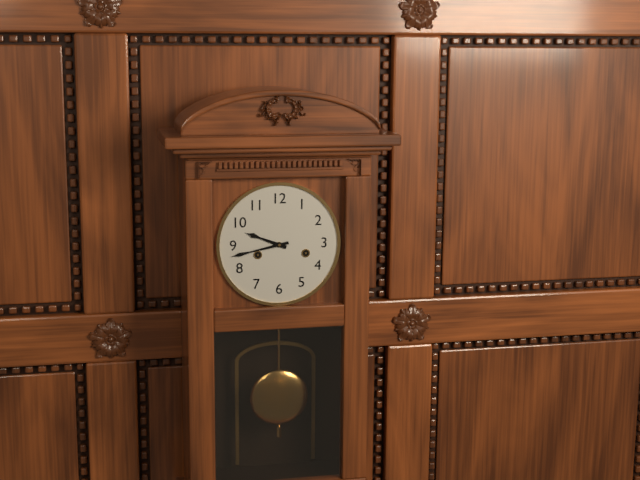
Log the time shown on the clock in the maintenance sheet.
9:43
